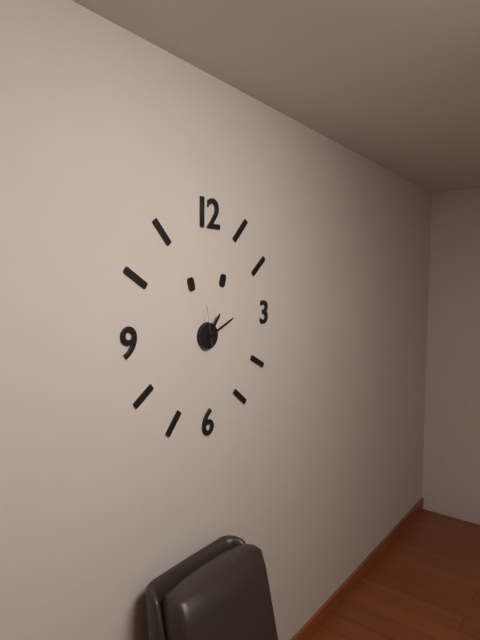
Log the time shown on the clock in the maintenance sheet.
1:11
